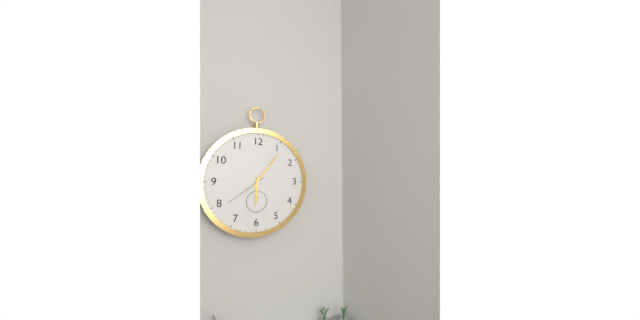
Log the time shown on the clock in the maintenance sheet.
6:06
